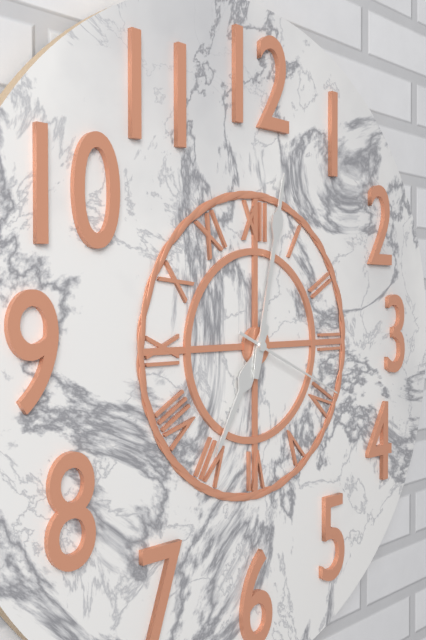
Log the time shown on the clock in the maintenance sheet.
7:02:19
